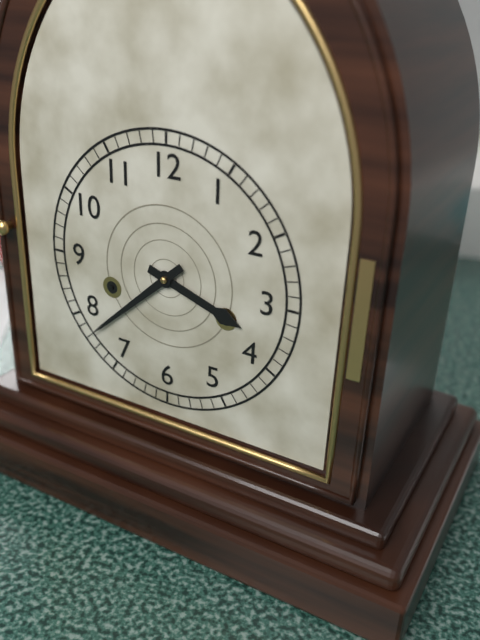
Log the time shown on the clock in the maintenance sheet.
3:38
